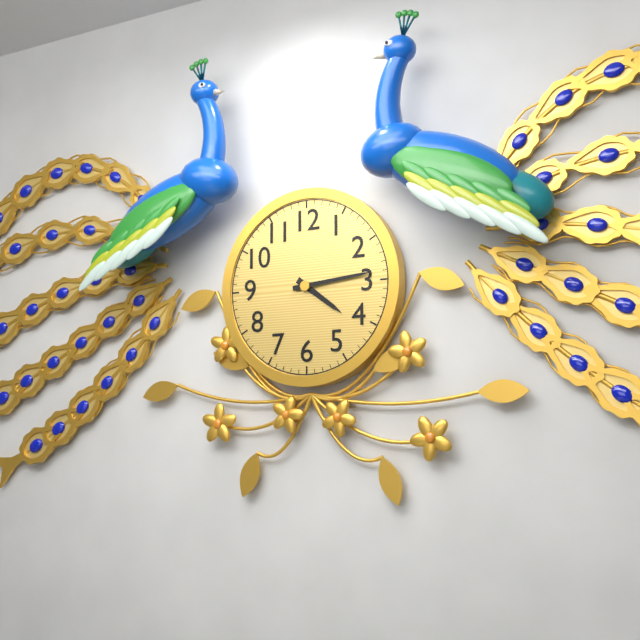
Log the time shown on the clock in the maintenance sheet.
4:14
